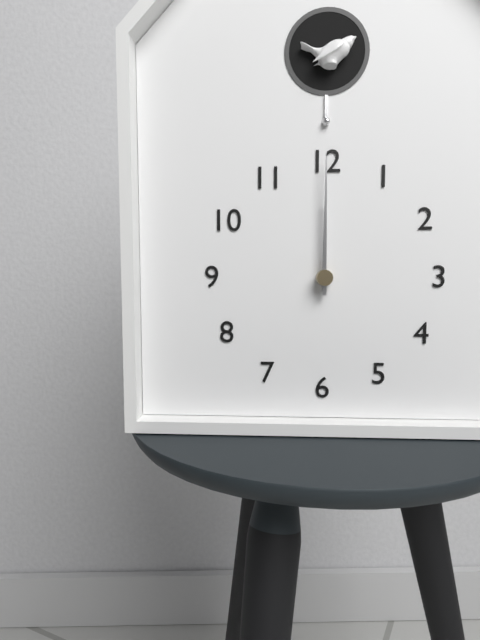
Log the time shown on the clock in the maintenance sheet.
12:00
